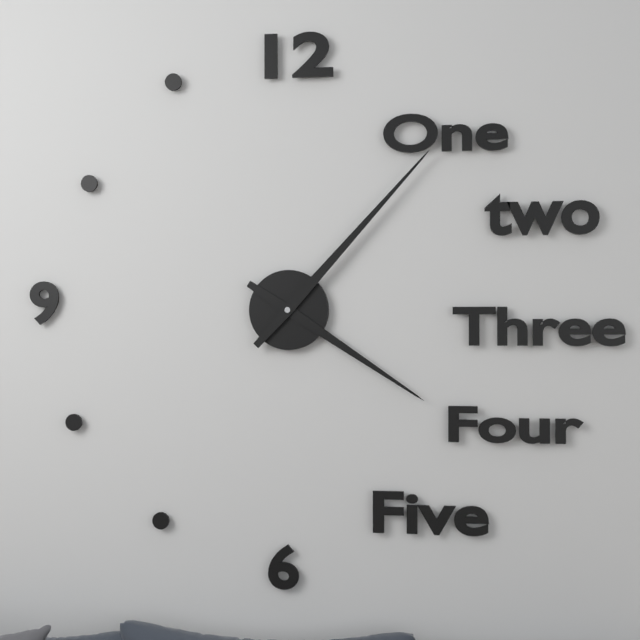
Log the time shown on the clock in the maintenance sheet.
4:07
